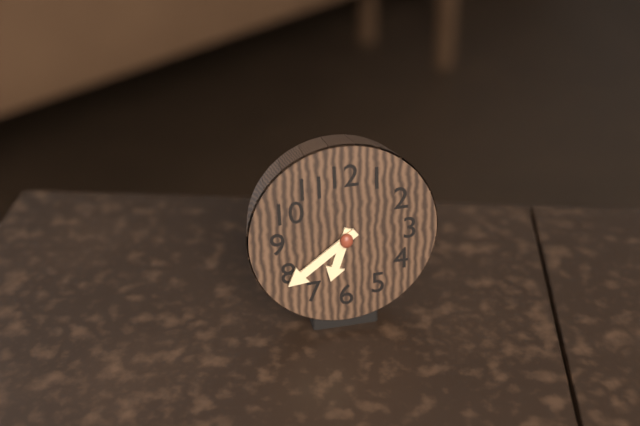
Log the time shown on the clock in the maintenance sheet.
6:39
